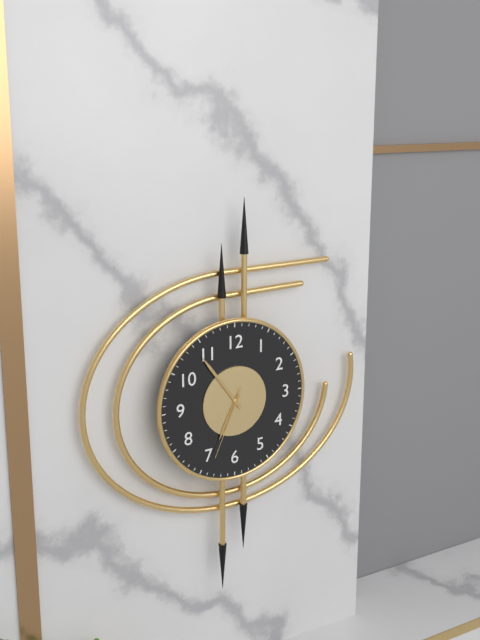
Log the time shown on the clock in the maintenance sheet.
6:54:34
